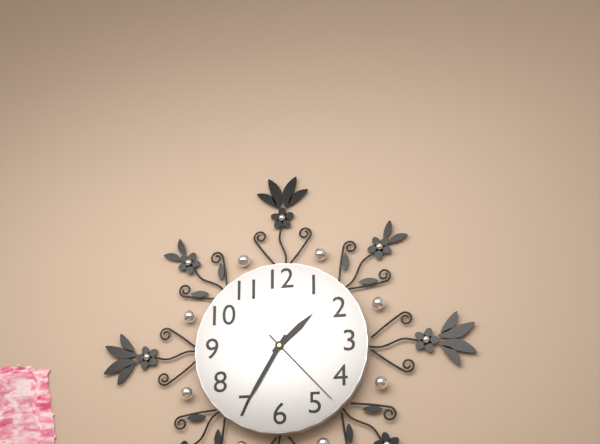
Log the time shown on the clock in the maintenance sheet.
1:35:23
